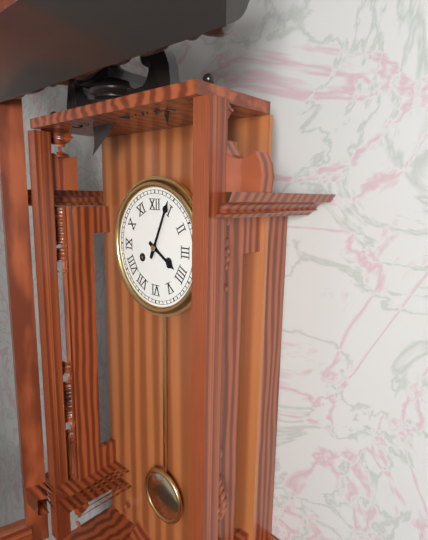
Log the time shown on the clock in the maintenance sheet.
4:04
